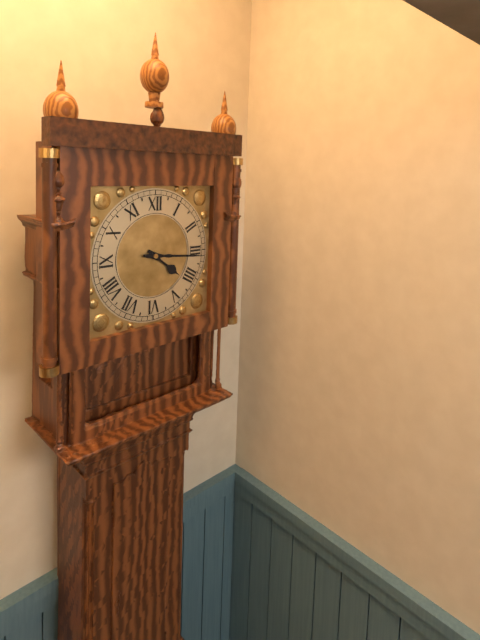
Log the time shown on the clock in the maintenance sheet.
4:16
